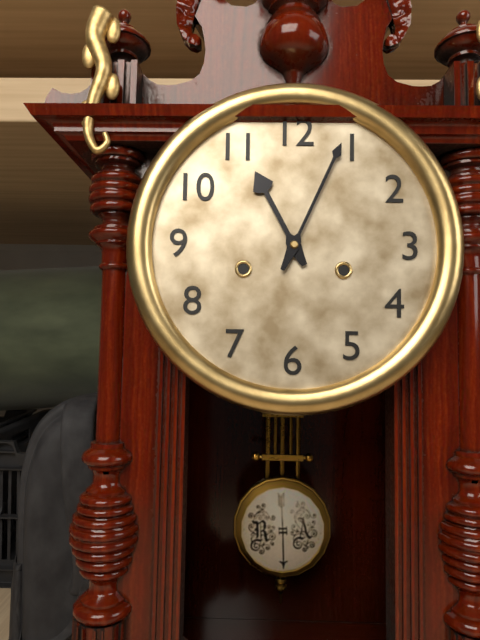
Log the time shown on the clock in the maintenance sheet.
11:04
